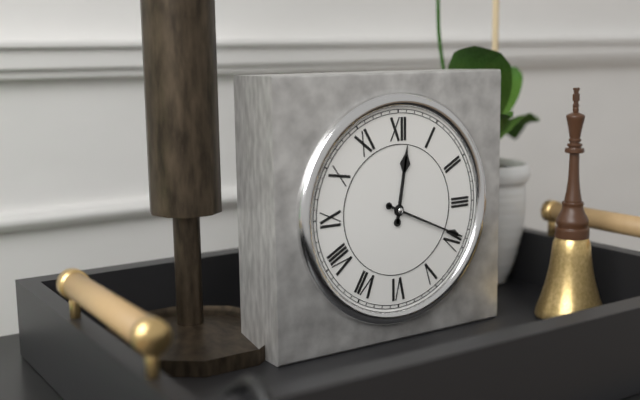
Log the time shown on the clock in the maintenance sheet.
12:19
